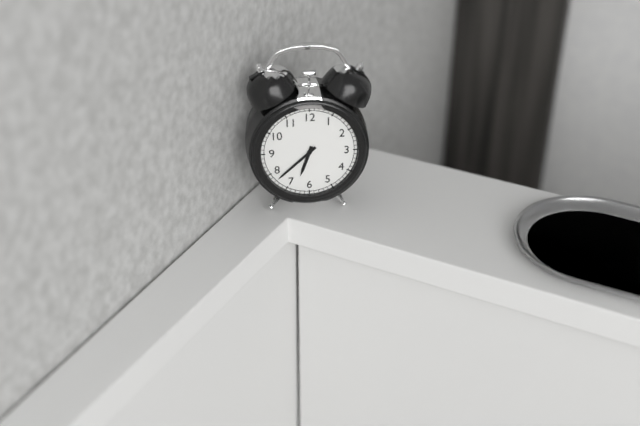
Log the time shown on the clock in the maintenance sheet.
6:38
